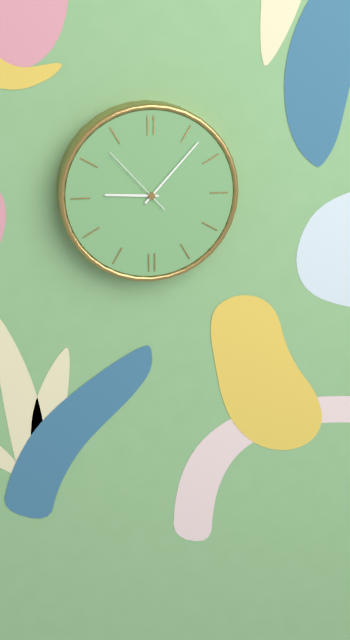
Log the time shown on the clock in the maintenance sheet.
9:07:53
